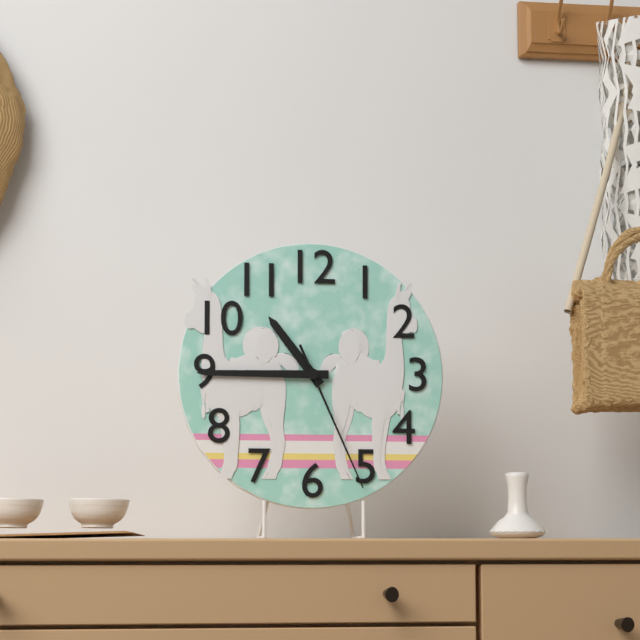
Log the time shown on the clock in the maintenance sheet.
10:45:26
